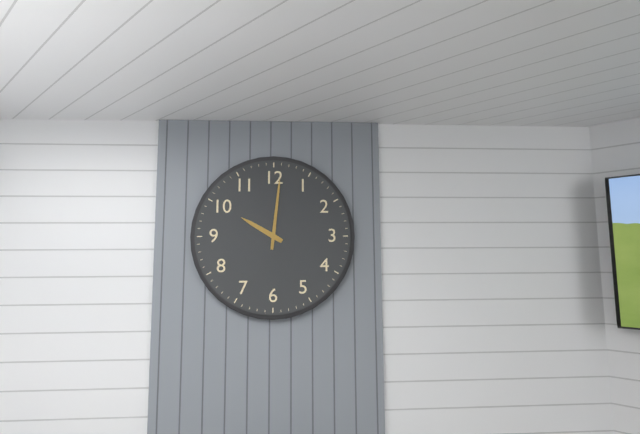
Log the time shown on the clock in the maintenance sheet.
10:01
